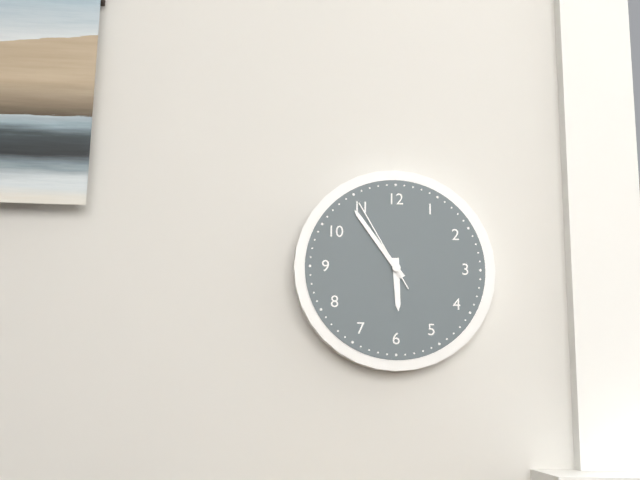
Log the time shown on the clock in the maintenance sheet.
5:54:55
